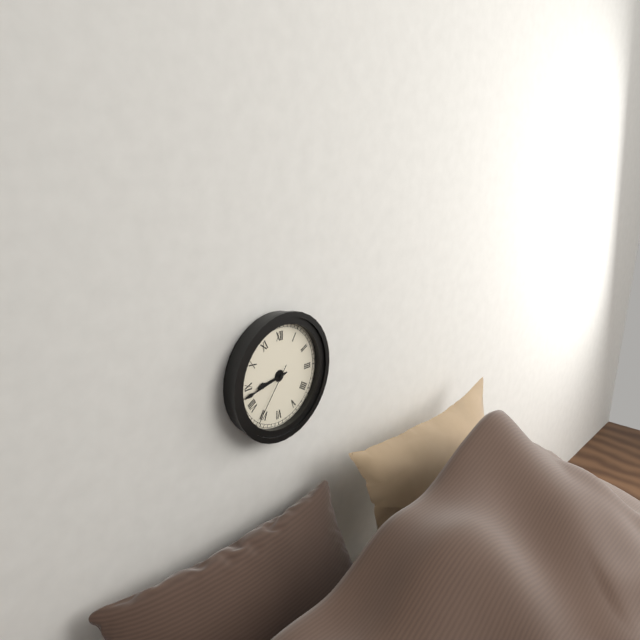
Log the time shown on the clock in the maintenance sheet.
8:43:36
